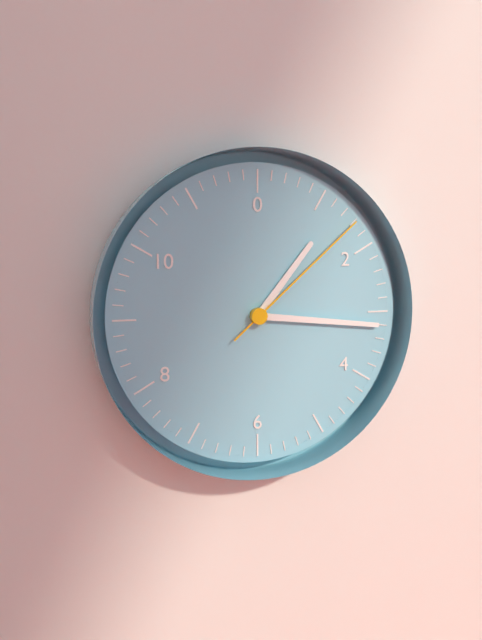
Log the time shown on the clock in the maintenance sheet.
1:16:08
